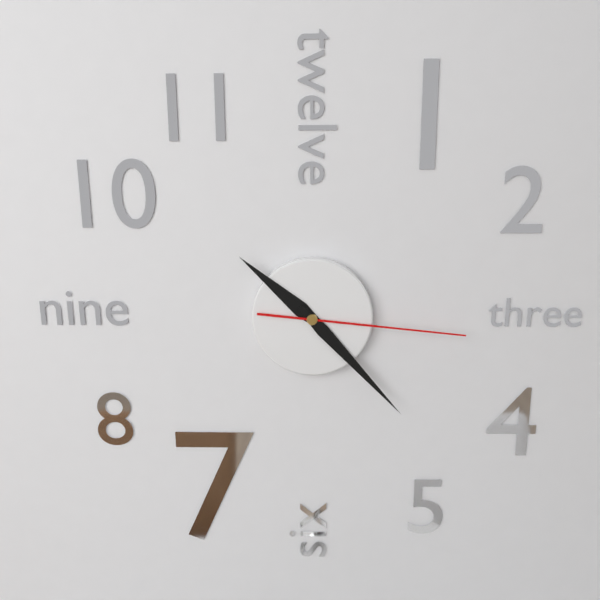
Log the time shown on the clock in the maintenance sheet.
10:23:16
